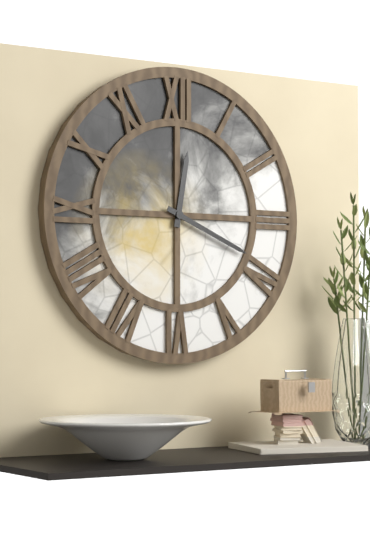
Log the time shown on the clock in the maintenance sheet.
12:19
